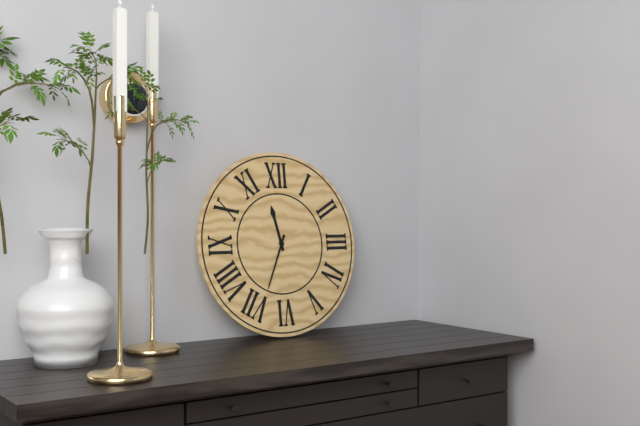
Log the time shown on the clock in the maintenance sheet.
11:34
